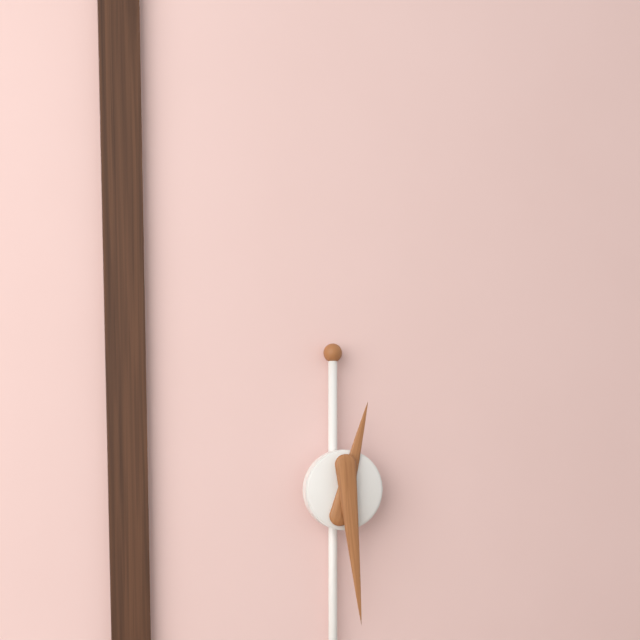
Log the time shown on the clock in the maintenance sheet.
12:29
